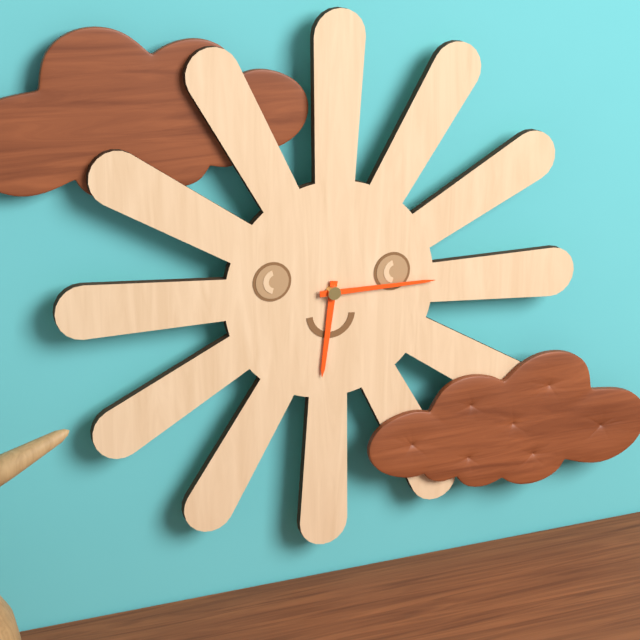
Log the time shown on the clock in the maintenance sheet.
6:15
